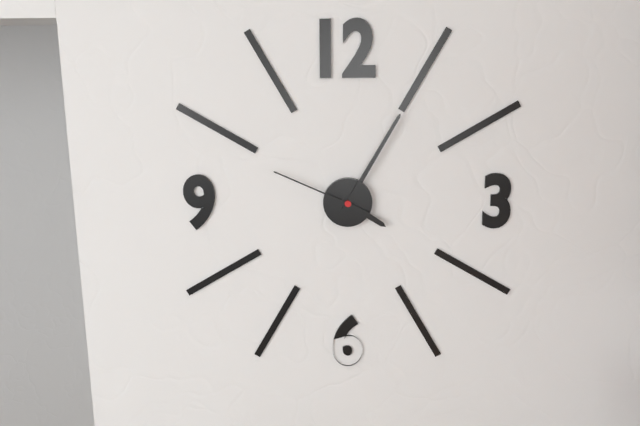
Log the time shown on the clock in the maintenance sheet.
4:05:49
